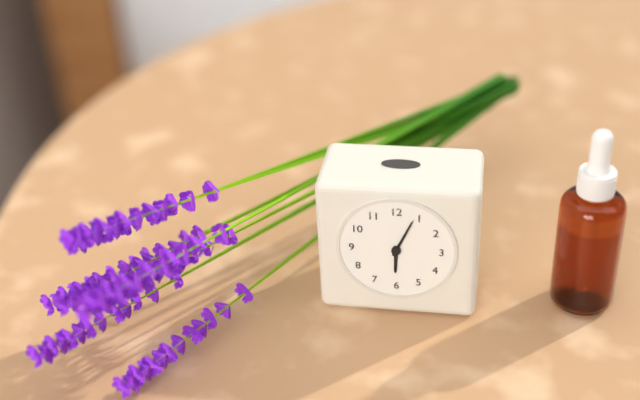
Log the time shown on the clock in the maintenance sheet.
6:04
